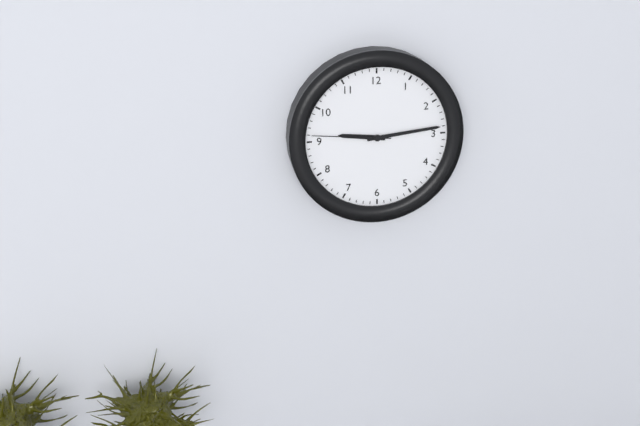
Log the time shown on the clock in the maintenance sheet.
9:14:46
